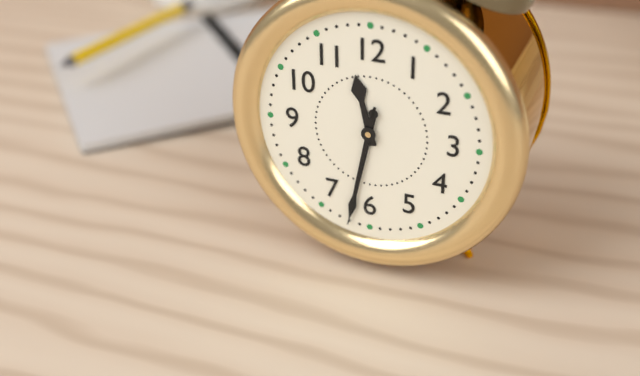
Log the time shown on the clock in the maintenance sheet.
11:32:32
